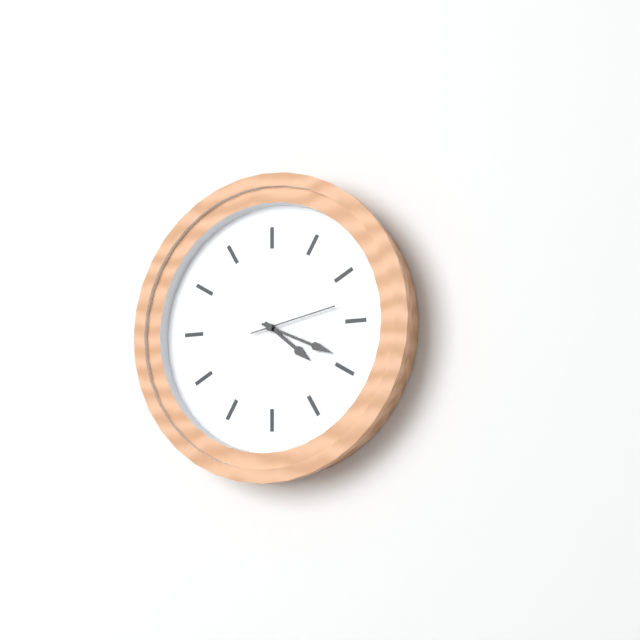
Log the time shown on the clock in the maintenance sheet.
4:19:13
